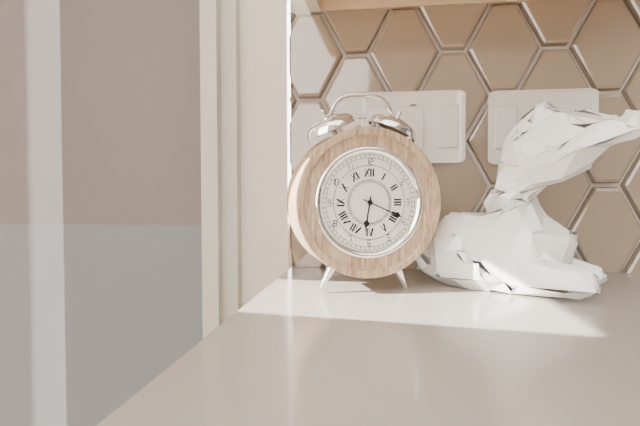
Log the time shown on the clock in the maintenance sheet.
6:19
